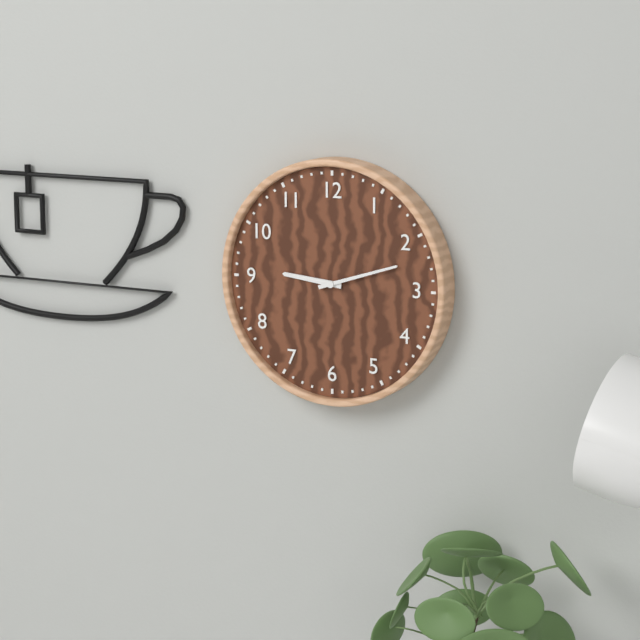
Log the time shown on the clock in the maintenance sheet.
9:12
